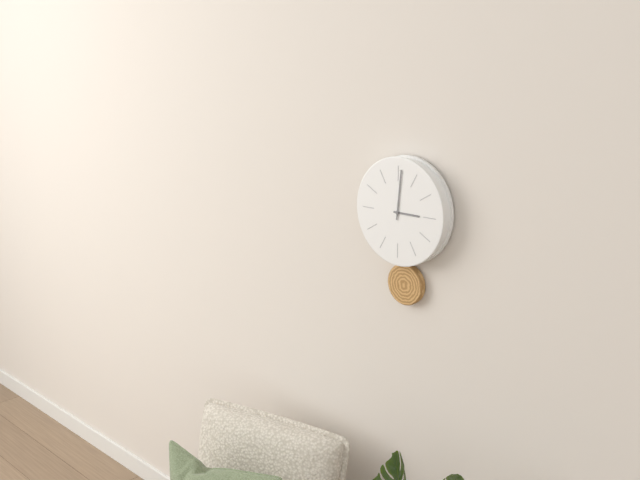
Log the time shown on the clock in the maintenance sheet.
3:01
